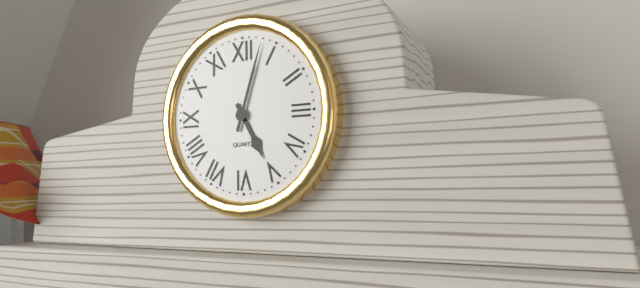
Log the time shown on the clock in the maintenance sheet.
5:03
